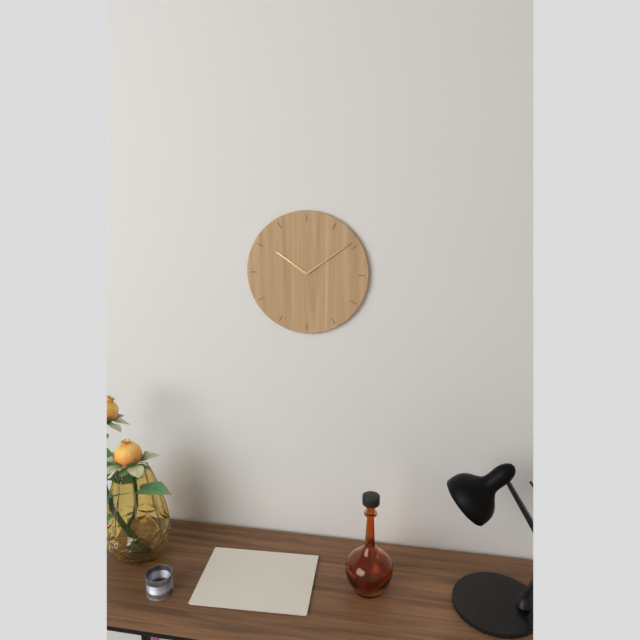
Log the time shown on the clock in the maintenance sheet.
10:09
